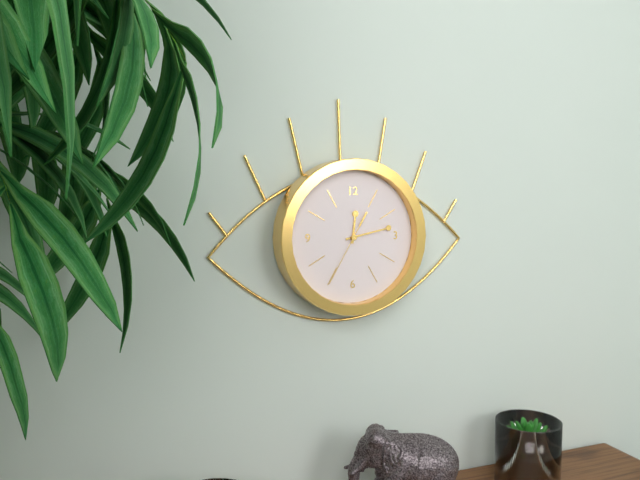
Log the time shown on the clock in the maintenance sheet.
12:13:35
